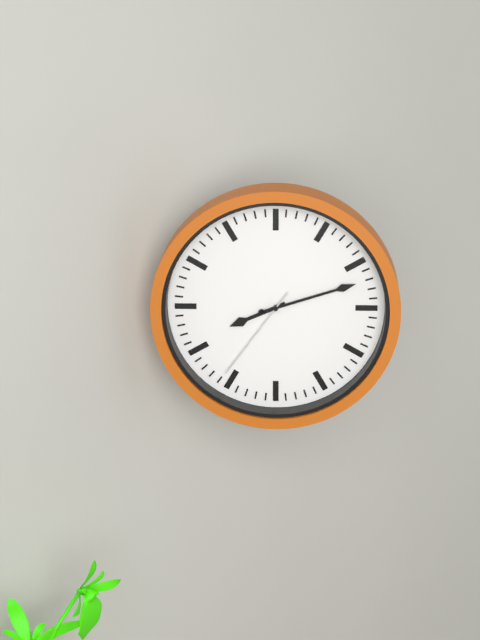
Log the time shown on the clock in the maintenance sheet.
8:12:36
